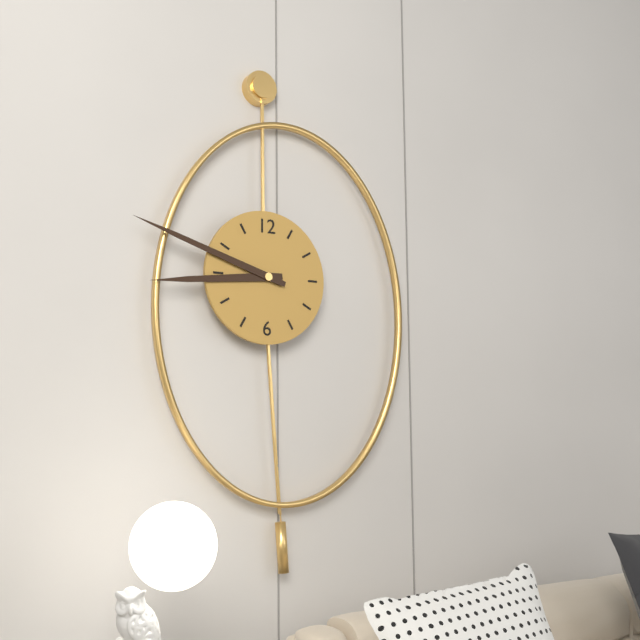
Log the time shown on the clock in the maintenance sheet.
8:48
